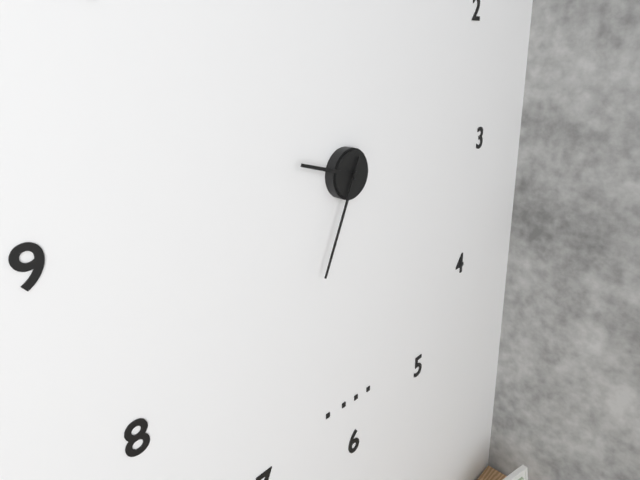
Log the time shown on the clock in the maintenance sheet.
9:34
